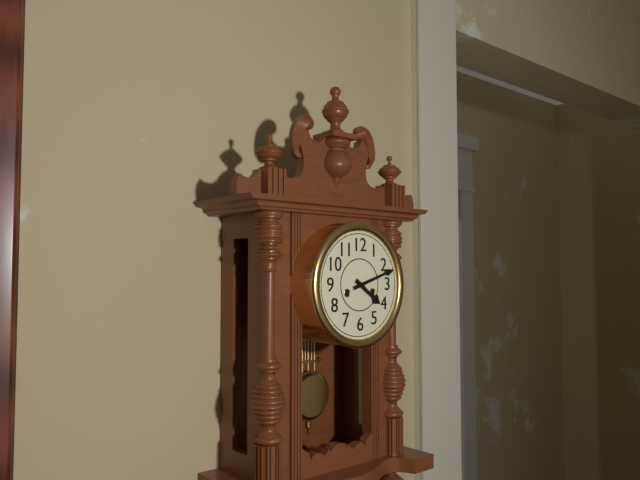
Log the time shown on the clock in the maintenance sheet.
4:12
